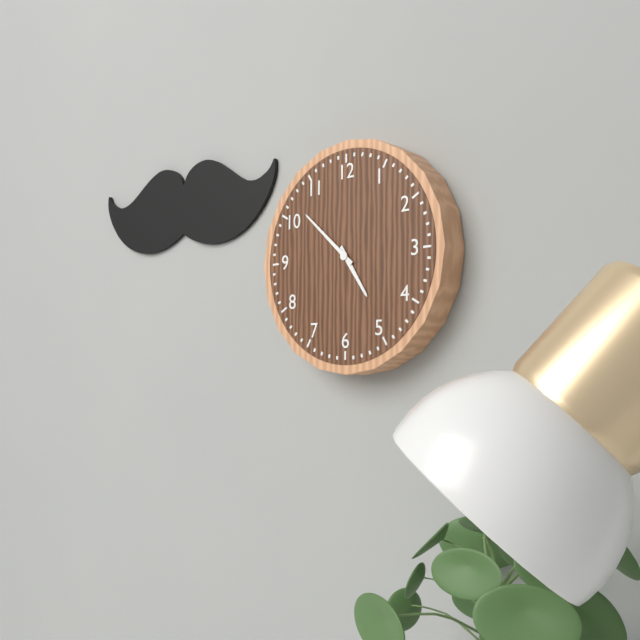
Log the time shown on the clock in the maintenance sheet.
4:52
